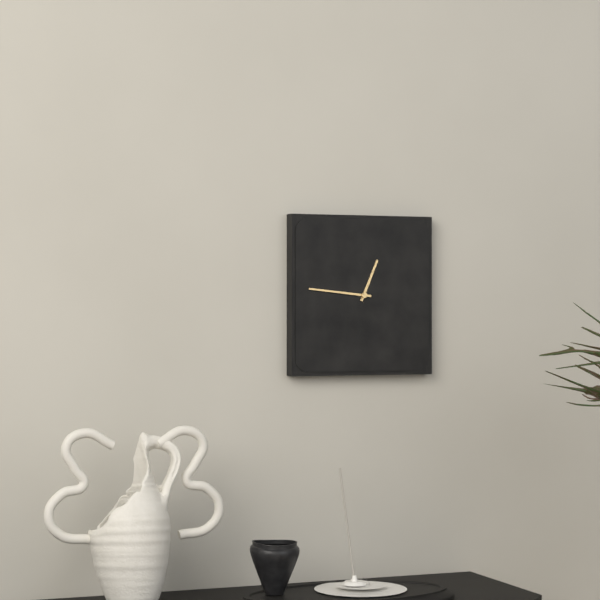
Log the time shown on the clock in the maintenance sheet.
12:46
